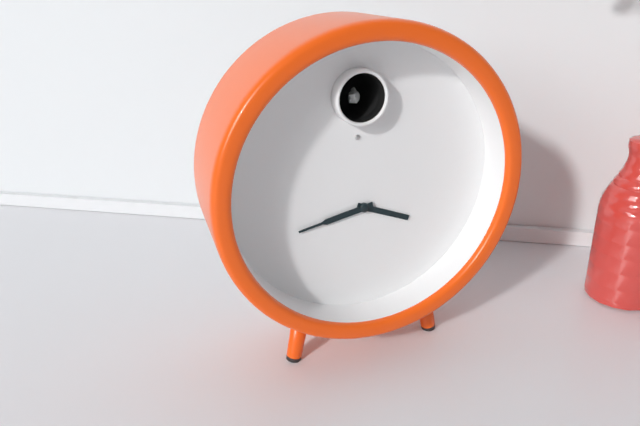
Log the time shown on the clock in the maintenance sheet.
3:43
